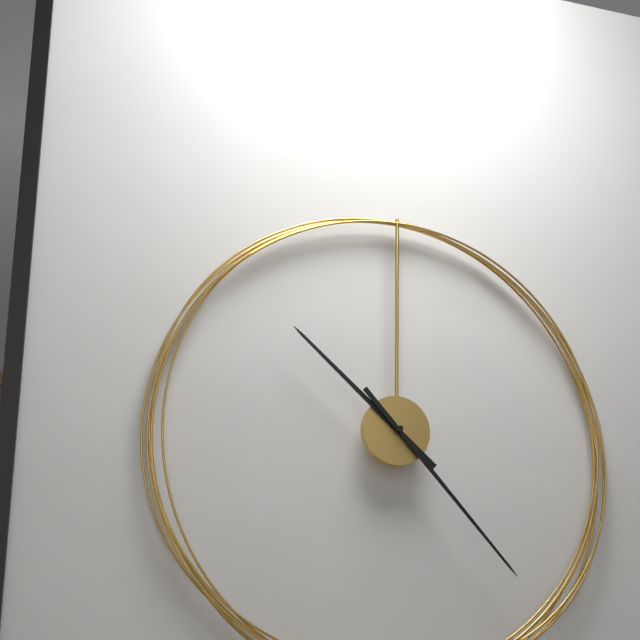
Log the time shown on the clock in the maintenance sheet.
10:23
